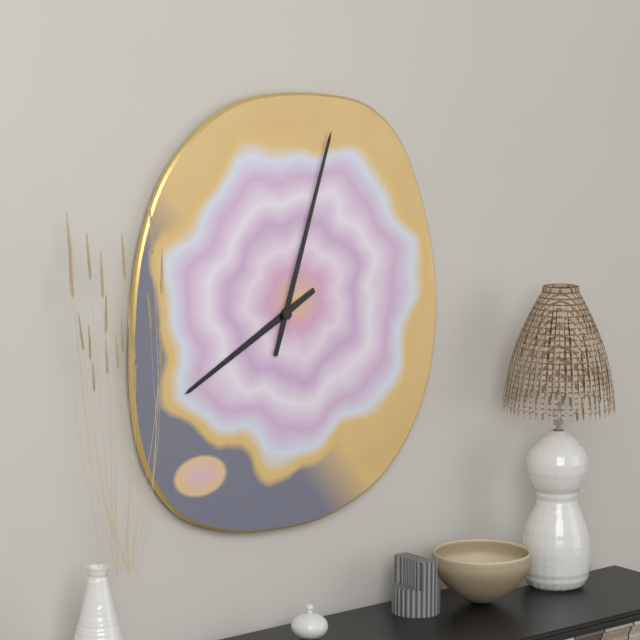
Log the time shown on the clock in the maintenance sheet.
8:03
